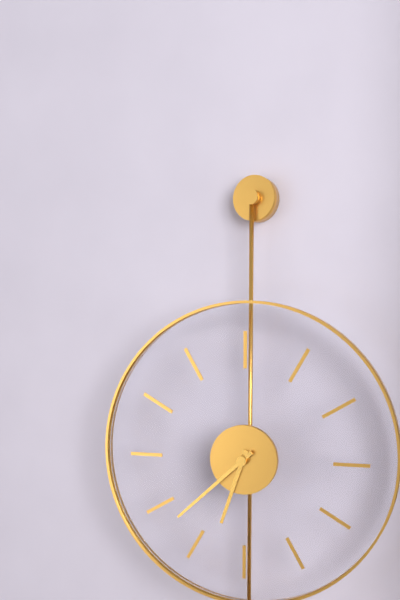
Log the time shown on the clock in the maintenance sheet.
6:38
